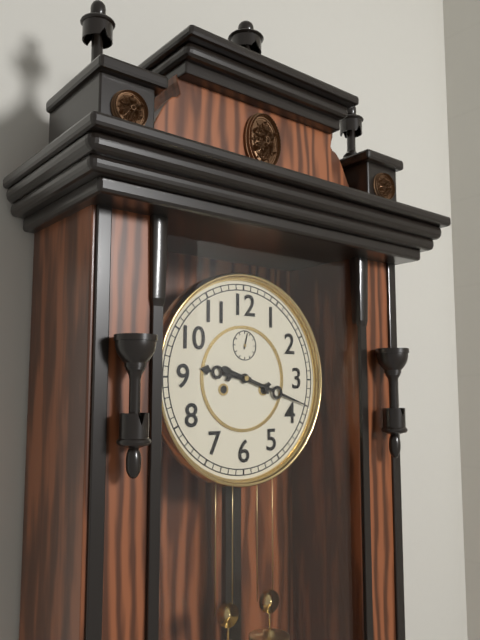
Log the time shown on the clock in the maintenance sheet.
9:18
